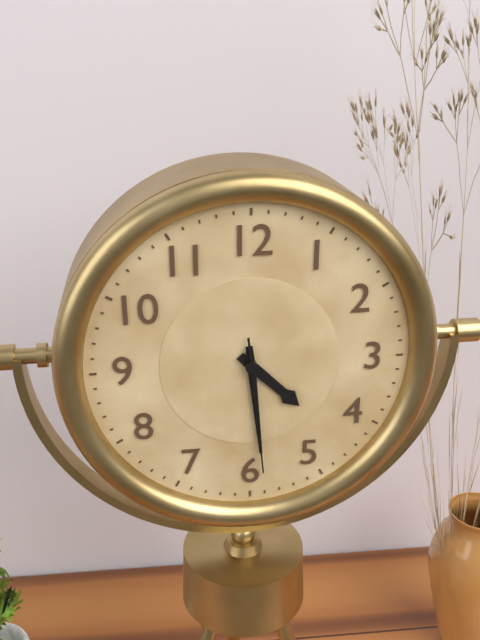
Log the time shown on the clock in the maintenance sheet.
4:29:29
